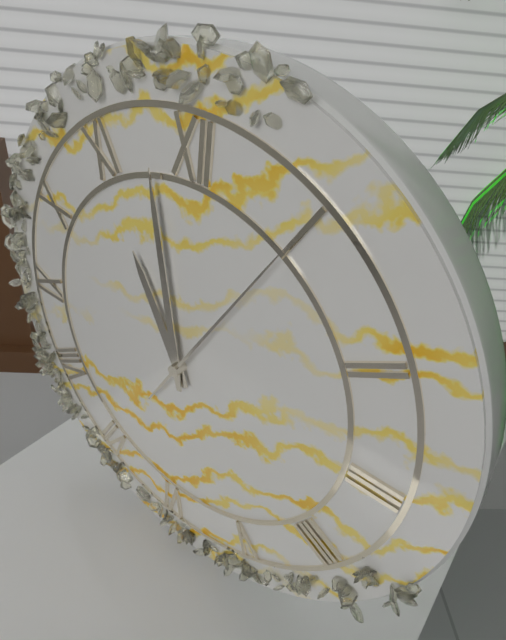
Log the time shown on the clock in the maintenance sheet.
10:58:05
